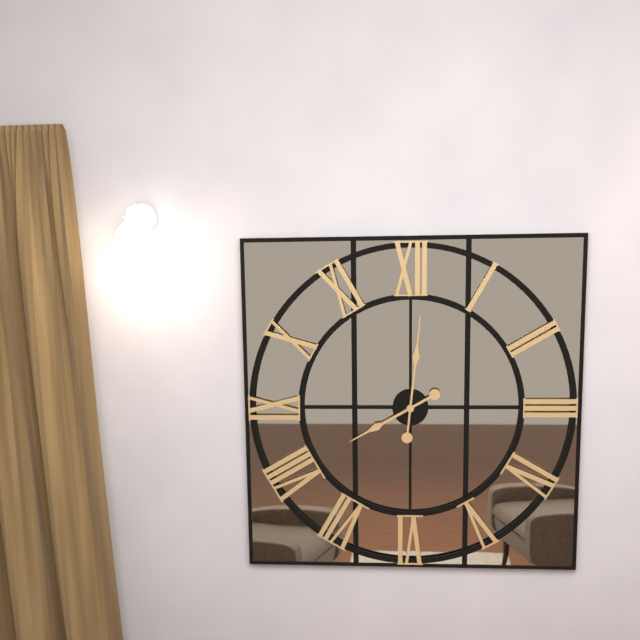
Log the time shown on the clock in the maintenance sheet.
8:01
